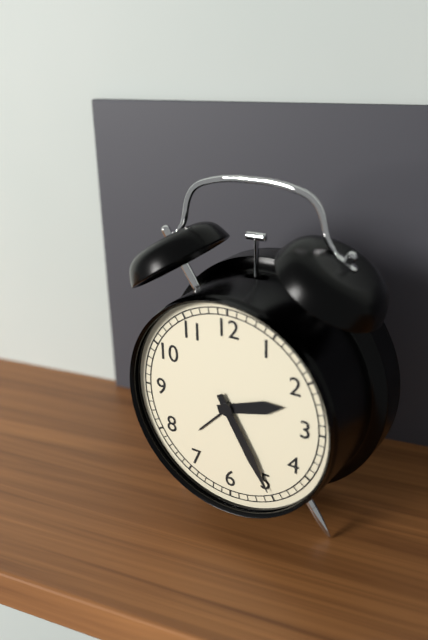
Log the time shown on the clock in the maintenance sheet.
2:25
